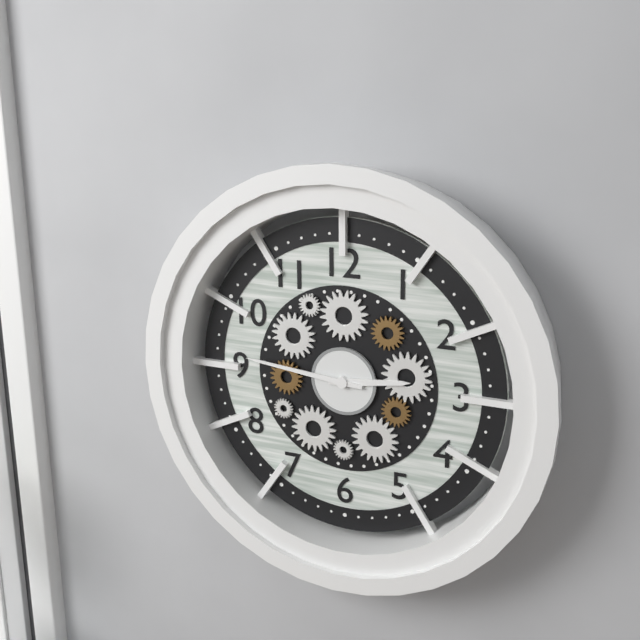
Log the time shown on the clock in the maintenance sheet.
2:46
